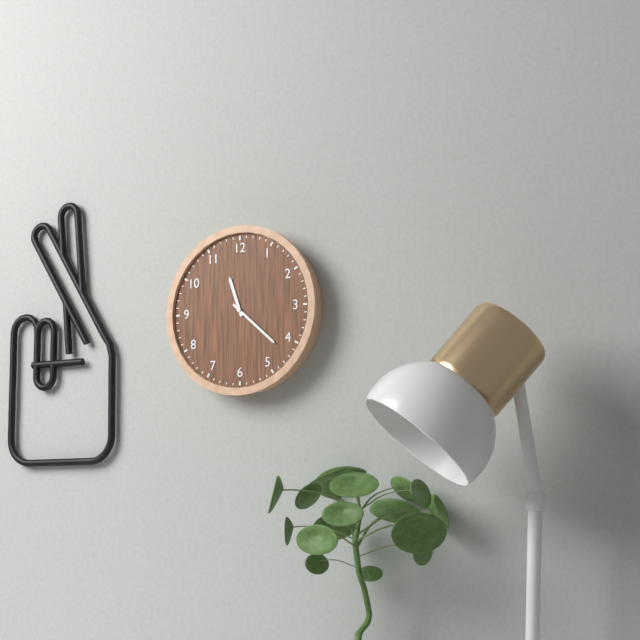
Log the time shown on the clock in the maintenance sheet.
11:22
